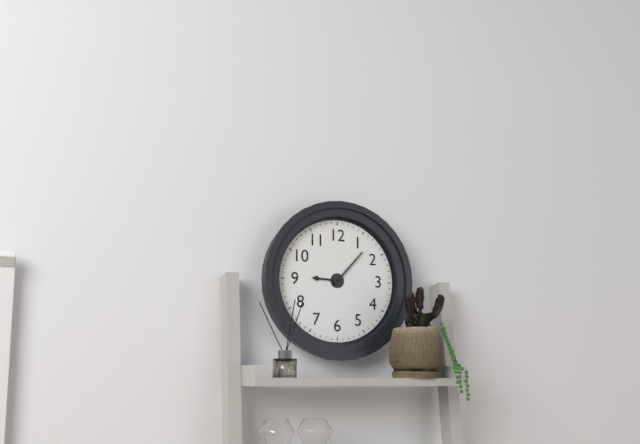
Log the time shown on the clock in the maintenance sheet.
9:07
